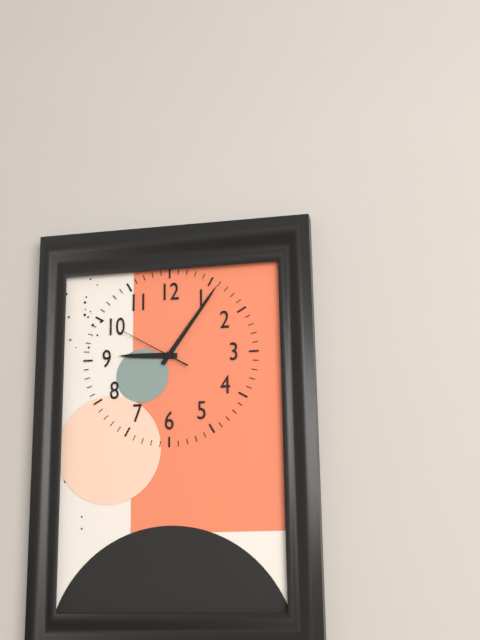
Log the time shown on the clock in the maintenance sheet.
9:06:50
